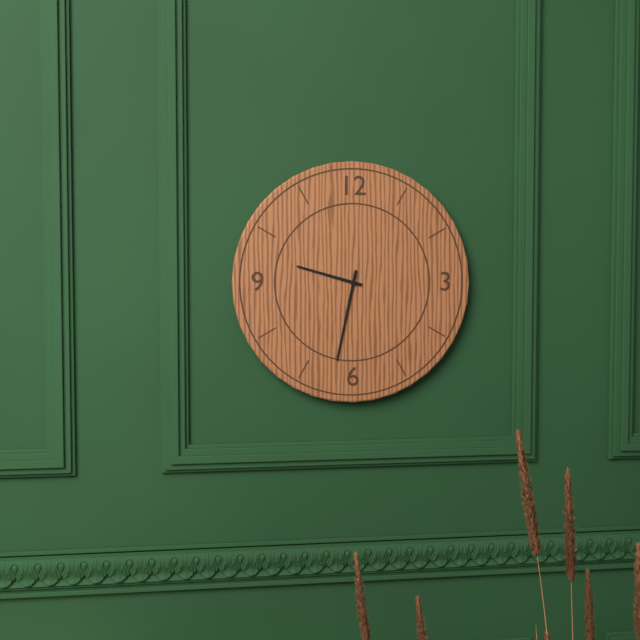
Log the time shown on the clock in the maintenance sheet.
9:32
